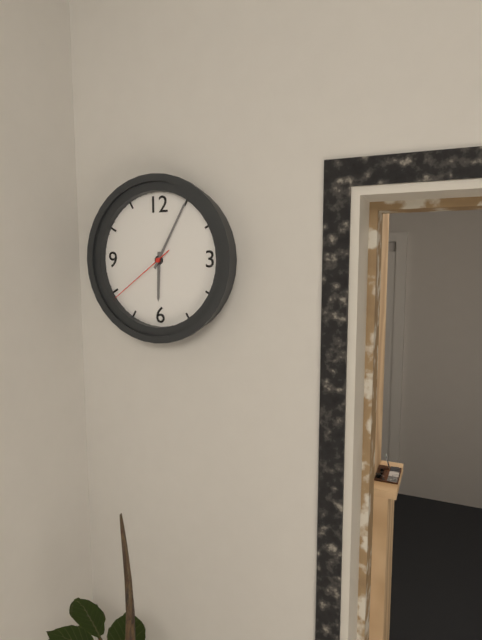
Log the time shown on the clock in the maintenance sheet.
6:05:39
